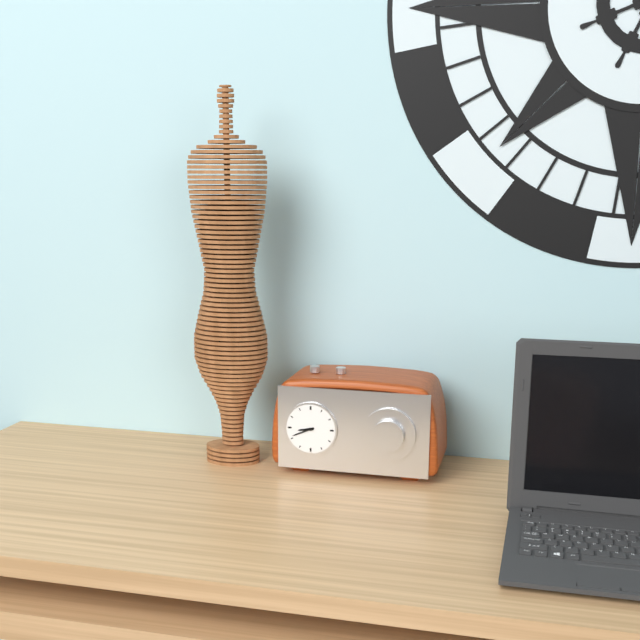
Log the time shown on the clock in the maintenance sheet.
8:41
